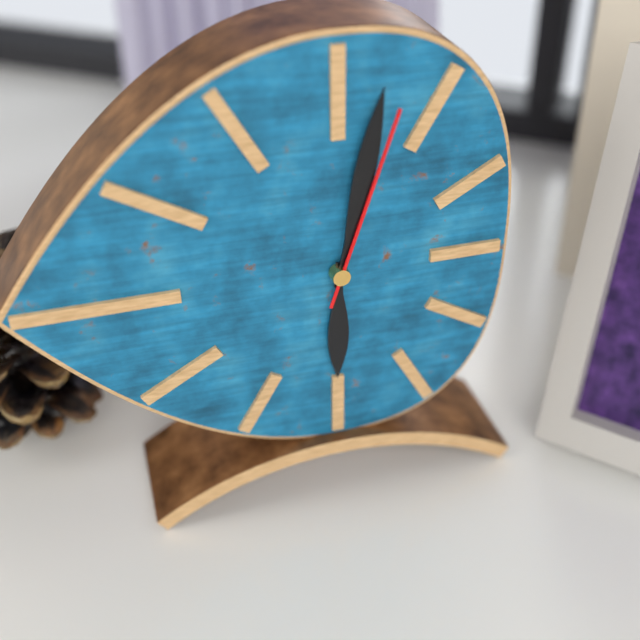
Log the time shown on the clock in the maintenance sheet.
6:02:03
